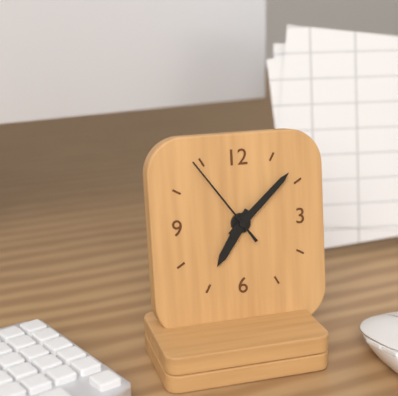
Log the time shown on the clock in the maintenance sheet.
7:08:54
